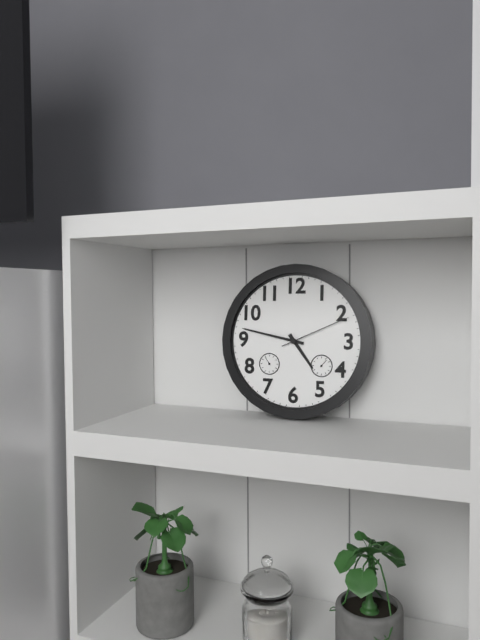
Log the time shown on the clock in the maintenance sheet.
4:47:11
